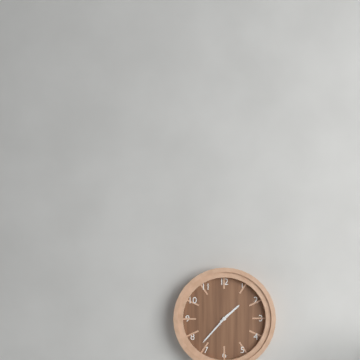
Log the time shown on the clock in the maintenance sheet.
1:37
